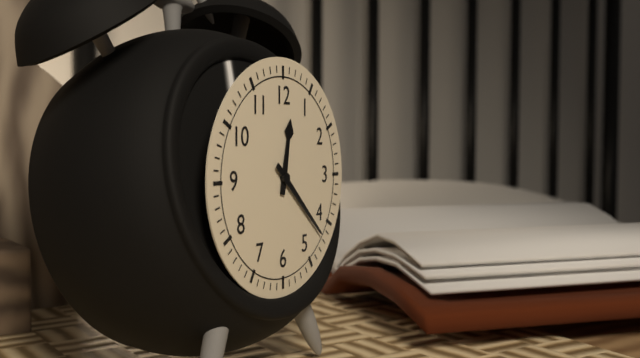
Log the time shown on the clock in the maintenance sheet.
12:22
